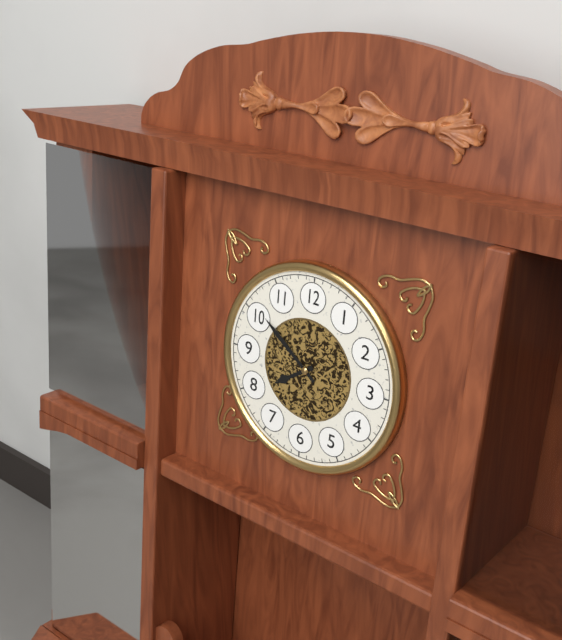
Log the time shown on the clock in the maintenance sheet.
7:51
